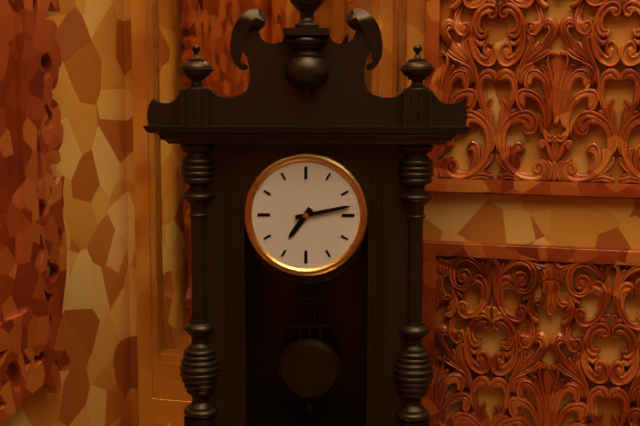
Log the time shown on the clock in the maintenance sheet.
7:13
